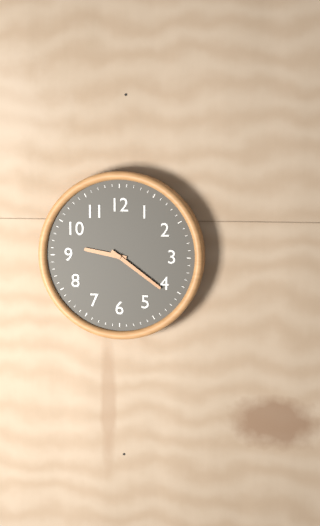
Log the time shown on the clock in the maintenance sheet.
9:21
